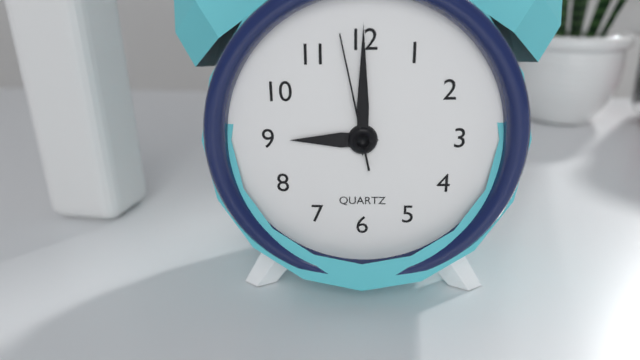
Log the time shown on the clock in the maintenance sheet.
9:00:58
